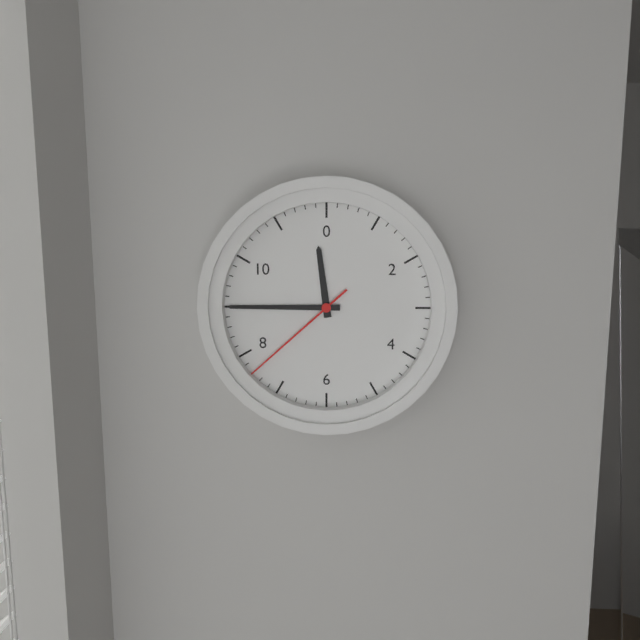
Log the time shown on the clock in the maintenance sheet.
11:45:38
